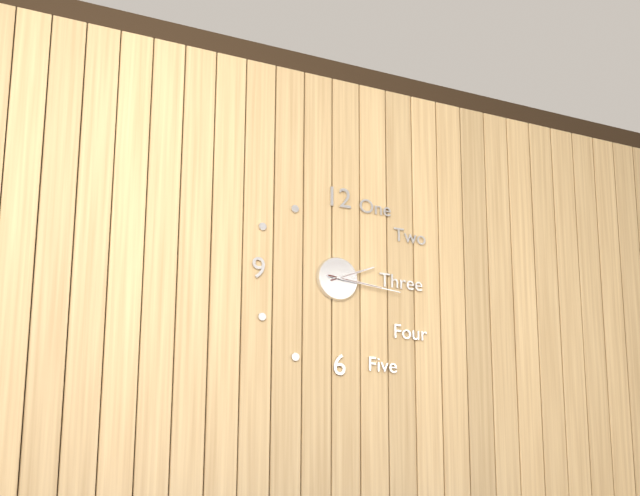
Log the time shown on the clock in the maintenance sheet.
2:16
